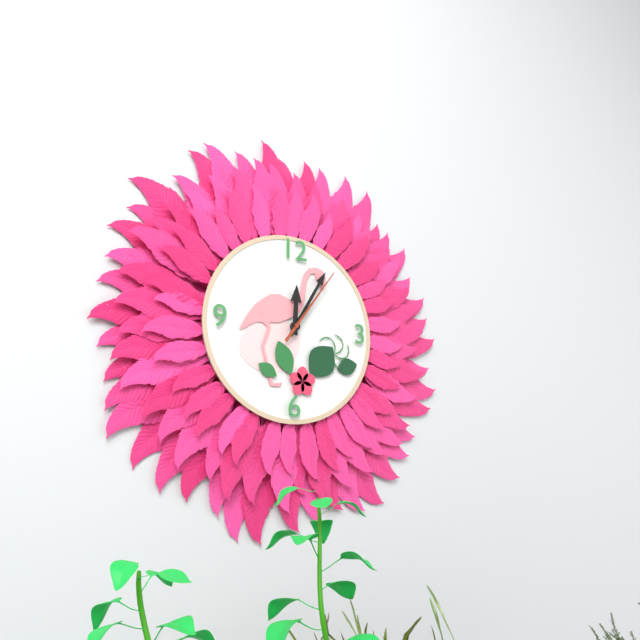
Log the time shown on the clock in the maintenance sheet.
12:05:06
